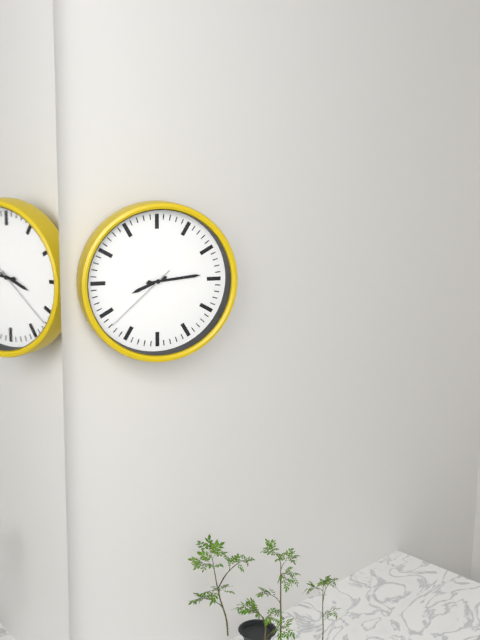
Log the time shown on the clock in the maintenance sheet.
8:14:38
